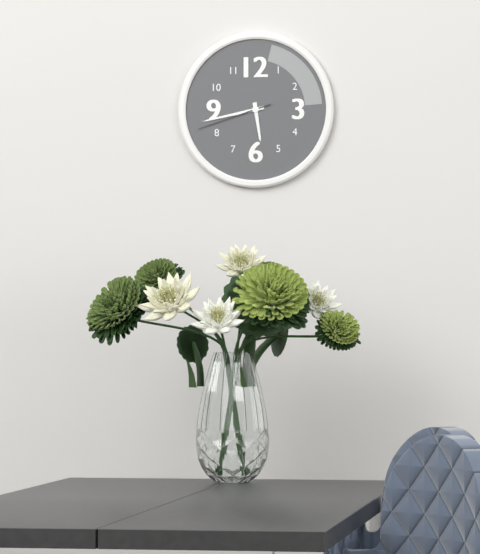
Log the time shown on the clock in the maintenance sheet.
5:43:42
